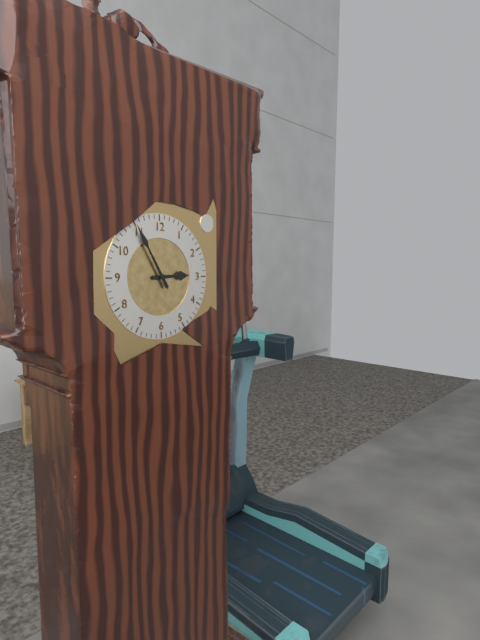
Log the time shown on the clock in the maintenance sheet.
2:55
